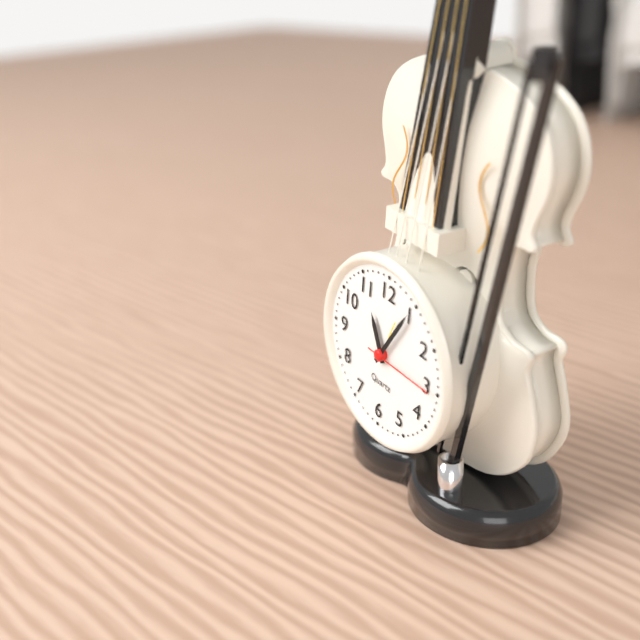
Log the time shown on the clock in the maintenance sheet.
11:05:15
